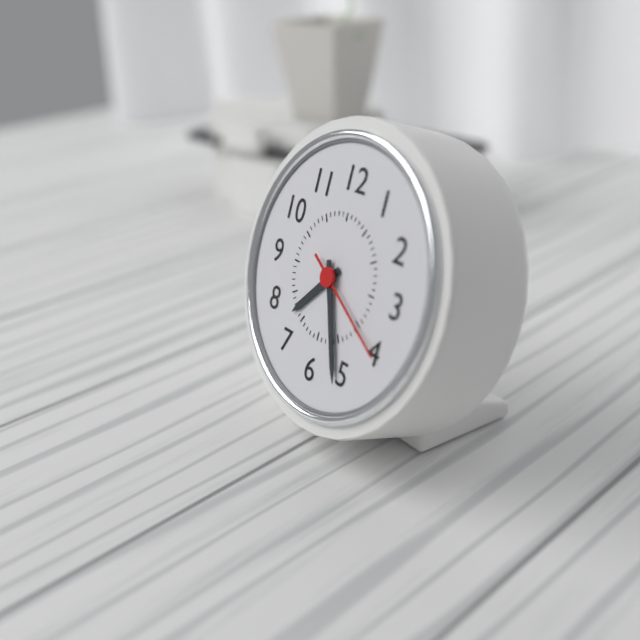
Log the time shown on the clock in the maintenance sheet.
7:26:20
